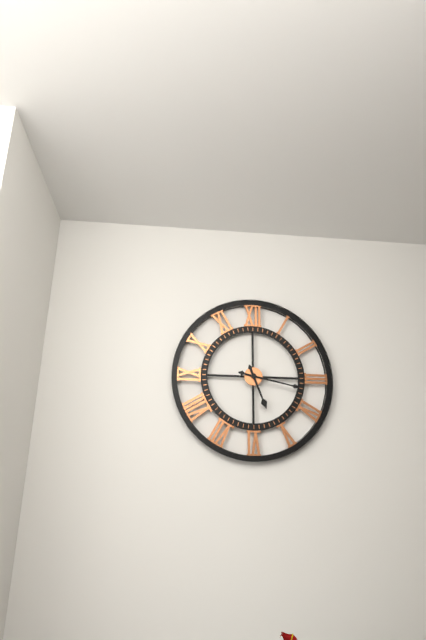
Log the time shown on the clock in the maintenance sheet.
5:17
